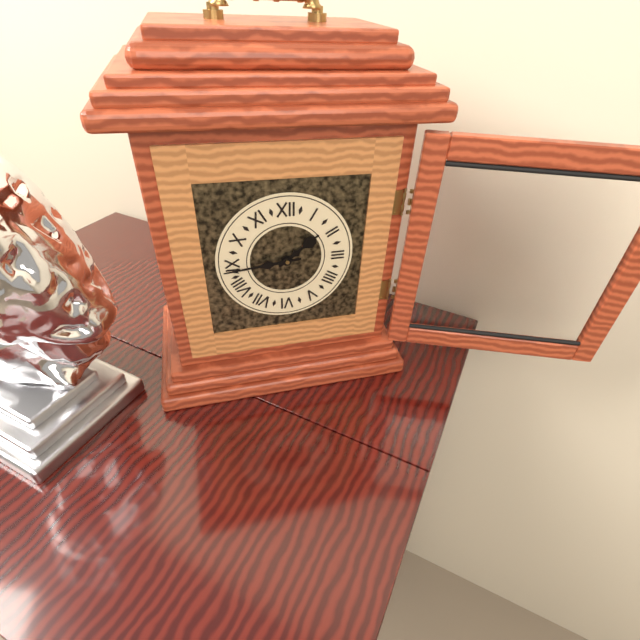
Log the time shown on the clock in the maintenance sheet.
1:44
